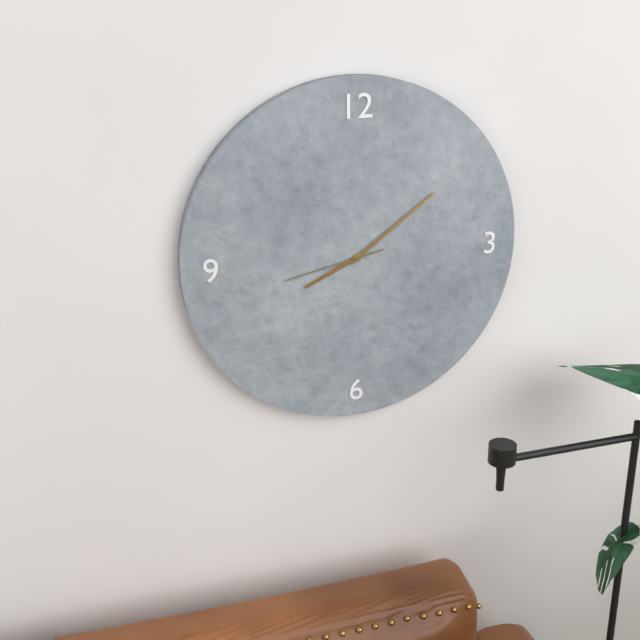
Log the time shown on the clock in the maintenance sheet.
8:09:43
